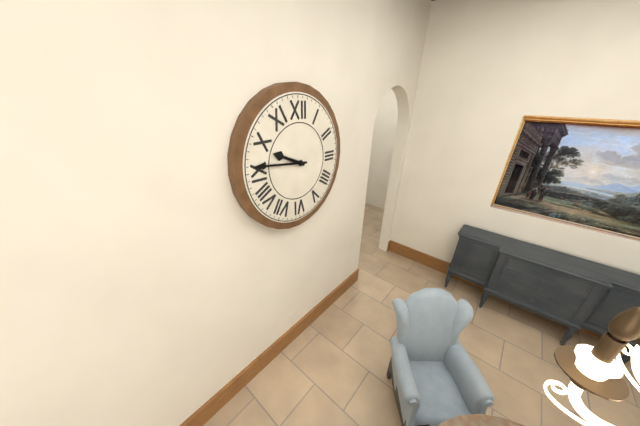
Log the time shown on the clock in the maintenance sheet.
9:46
